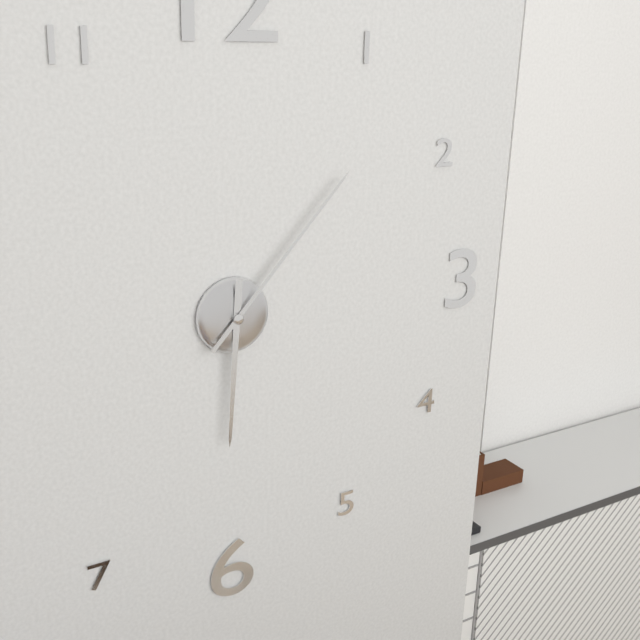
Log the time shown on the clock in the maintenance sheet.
6:07
